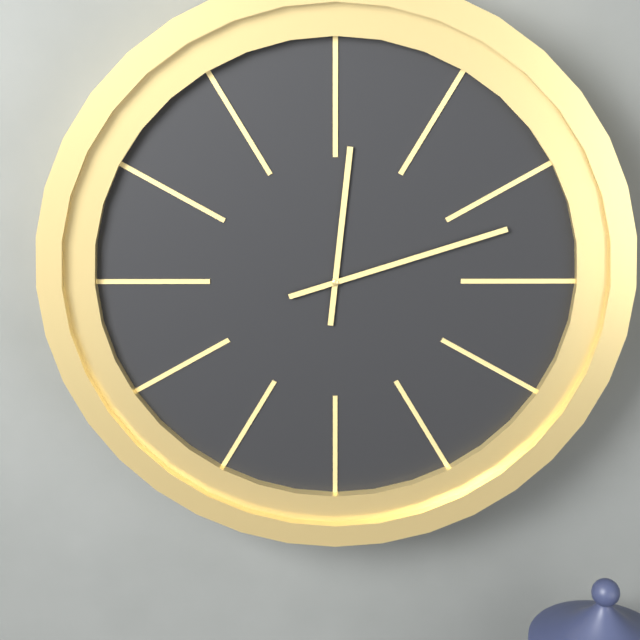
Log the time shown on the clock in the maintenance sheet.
12:12
